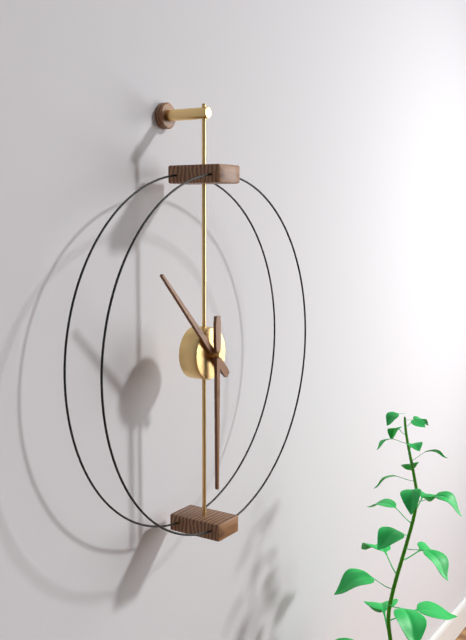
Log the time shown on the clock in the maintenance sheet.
10:30
